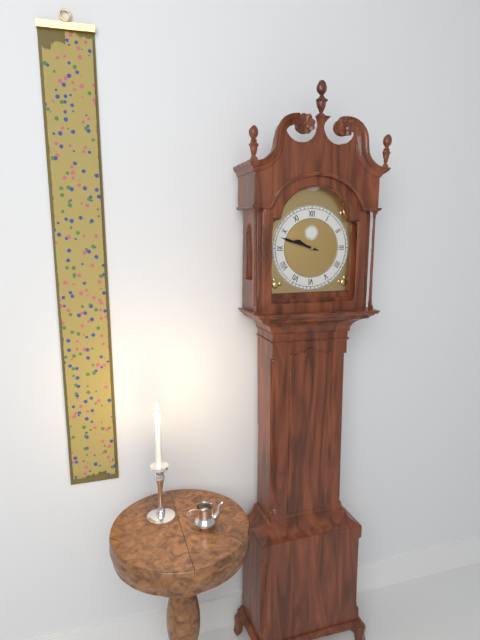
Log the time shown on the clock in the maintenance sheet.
9:48
